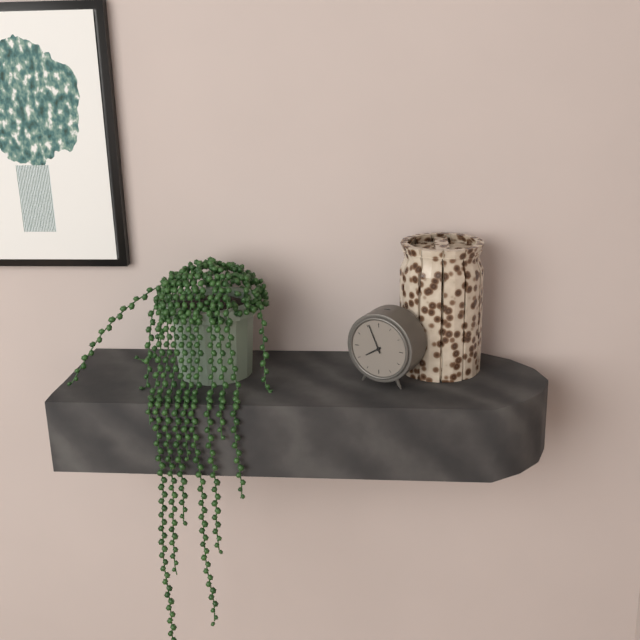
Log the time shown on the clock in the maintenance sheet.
7:56
